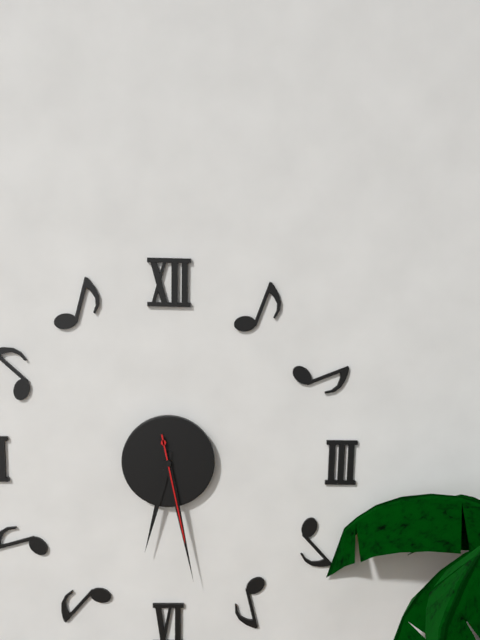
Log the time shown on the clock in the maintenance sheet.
6:28:28
